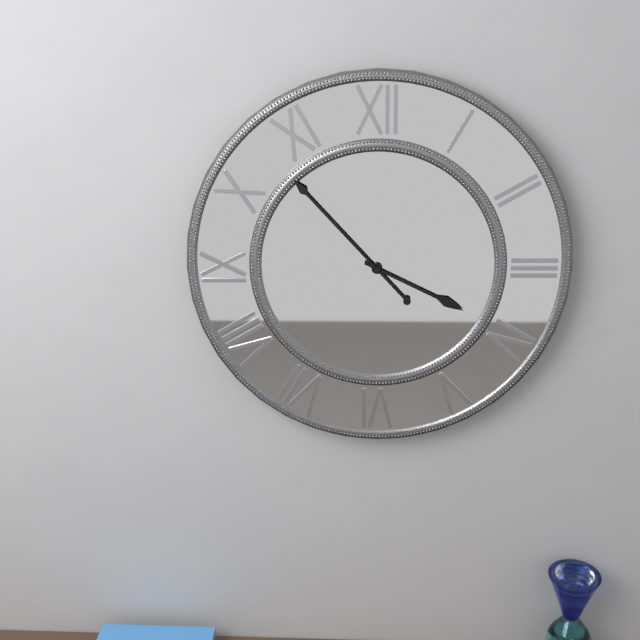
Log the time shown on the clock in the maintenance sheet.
3:53
